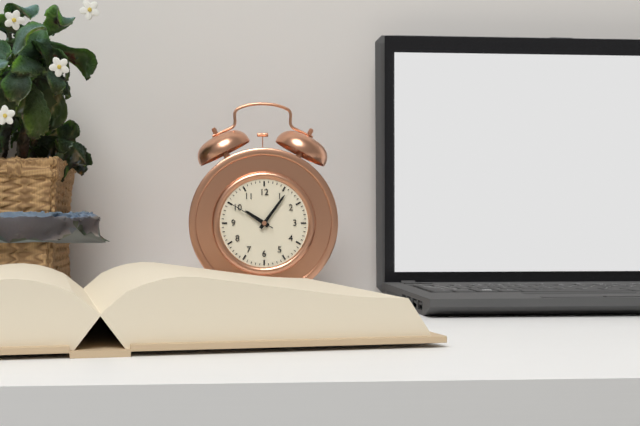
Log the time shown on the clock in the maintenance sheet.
10:06
